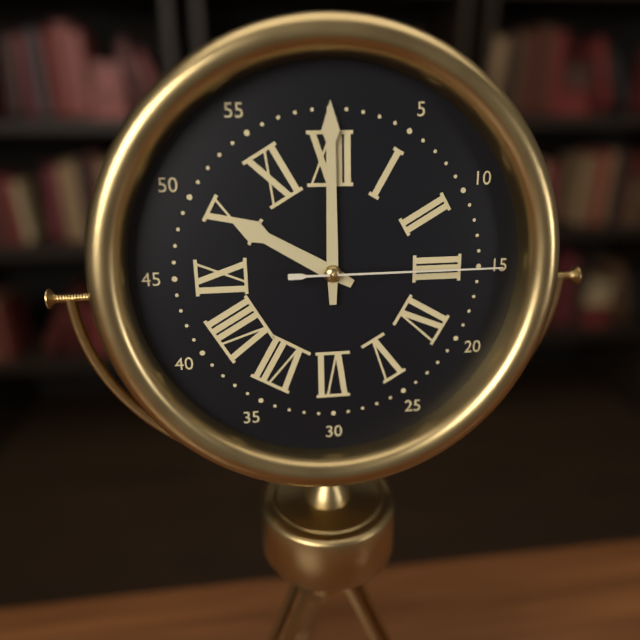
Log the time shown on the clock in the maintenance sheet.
10:00:15
